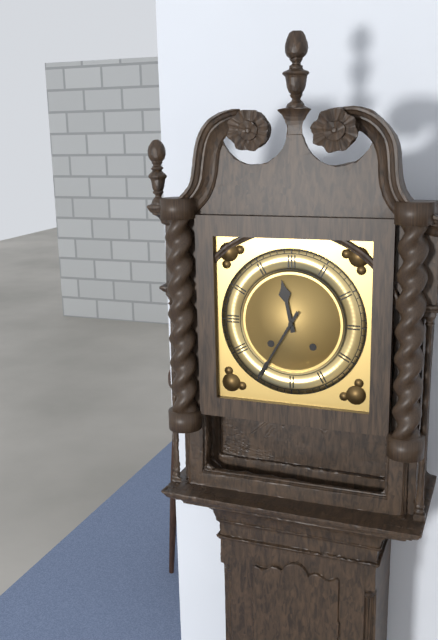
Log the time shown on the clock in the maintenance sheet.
11:35
